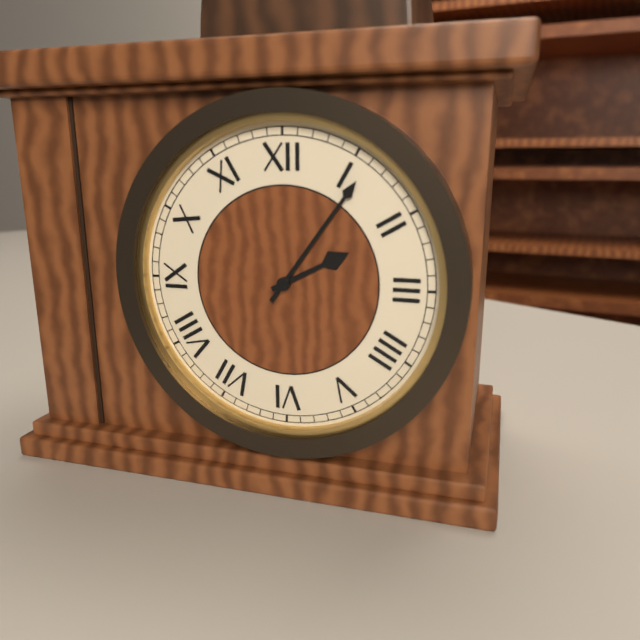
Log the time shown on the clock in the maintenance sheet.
2:06
